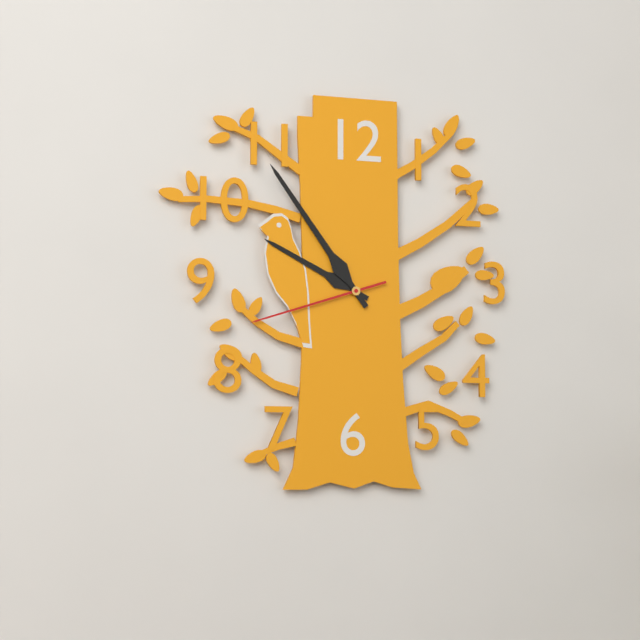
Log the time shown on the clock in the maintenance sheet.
9:54:42
